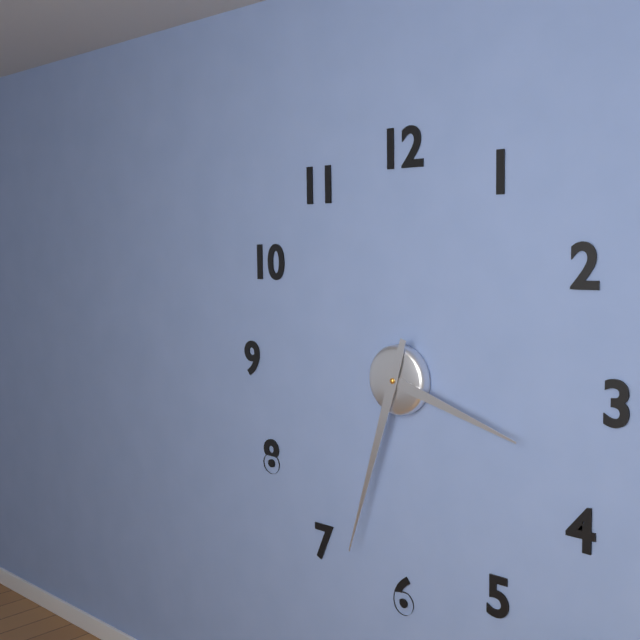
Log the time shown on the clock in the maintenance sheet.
3:33
